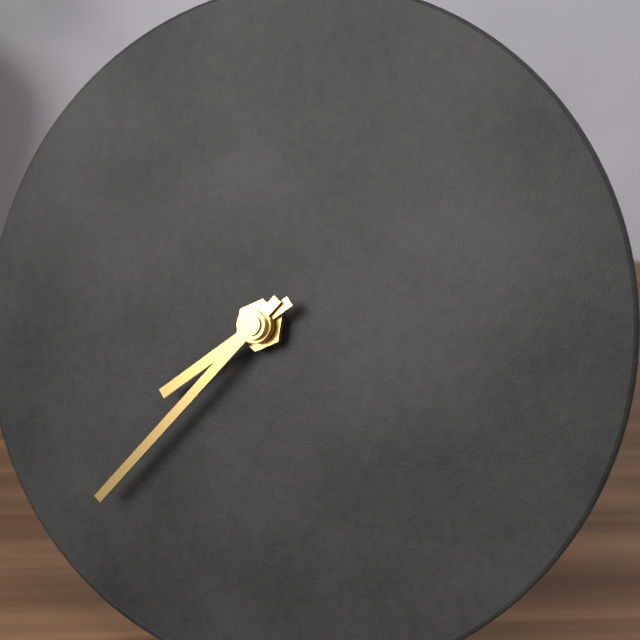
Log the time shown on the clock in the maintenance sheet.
7:36
